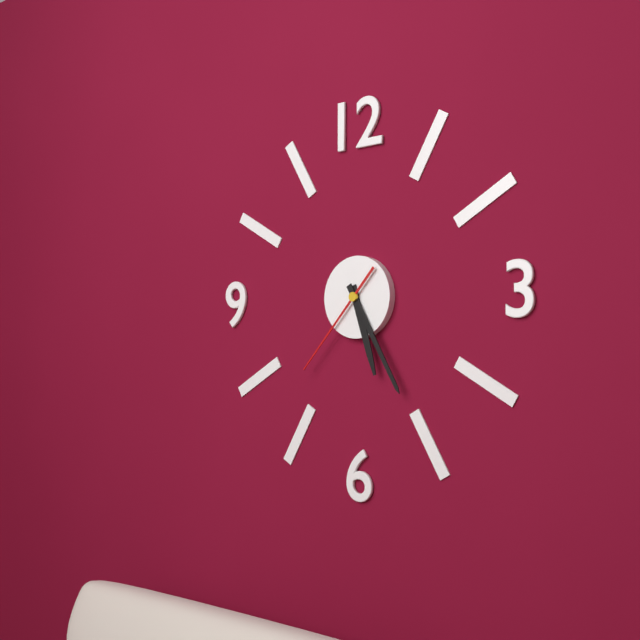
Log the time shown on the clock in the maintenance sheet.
5:25:37
